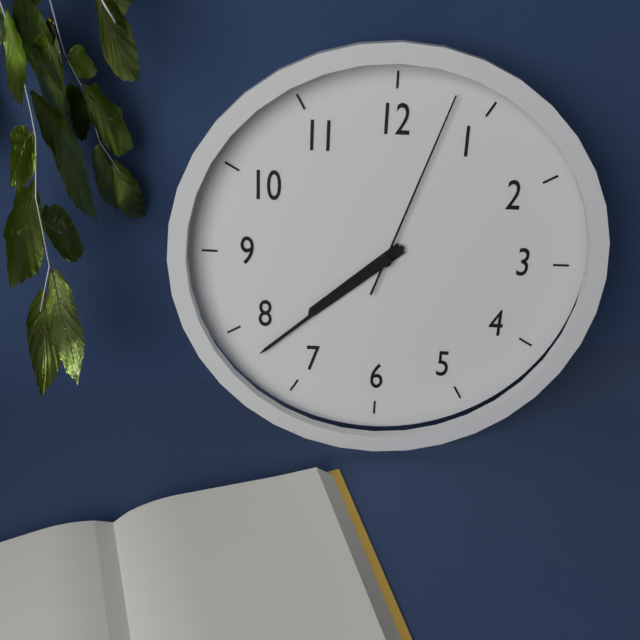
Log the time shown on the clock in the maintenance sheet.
7:38:03
